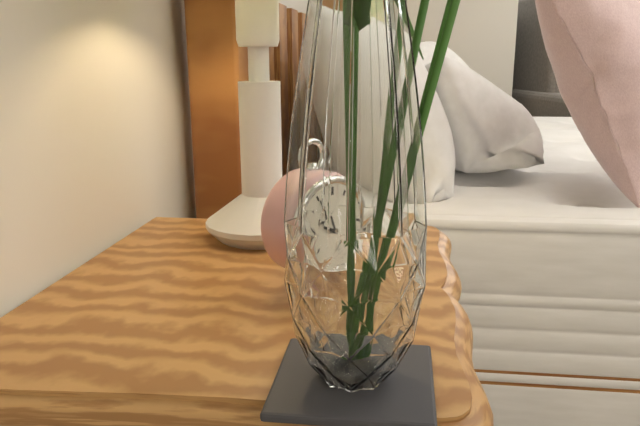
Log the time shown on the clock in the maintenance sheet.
9:55
